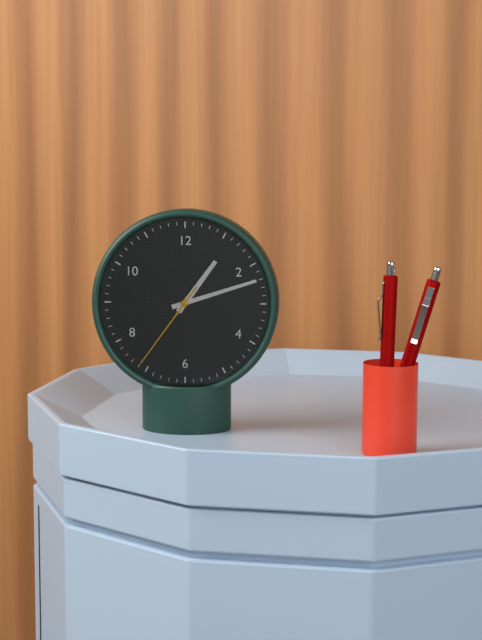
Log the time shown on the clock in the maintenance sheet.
1:12:36
